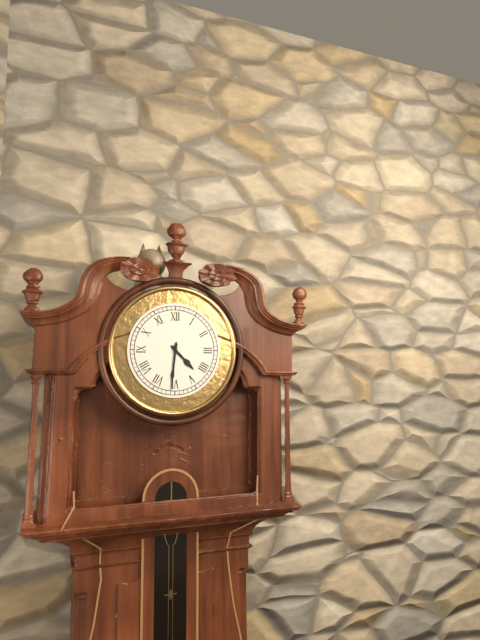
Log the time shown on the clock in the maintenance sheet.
4:31
